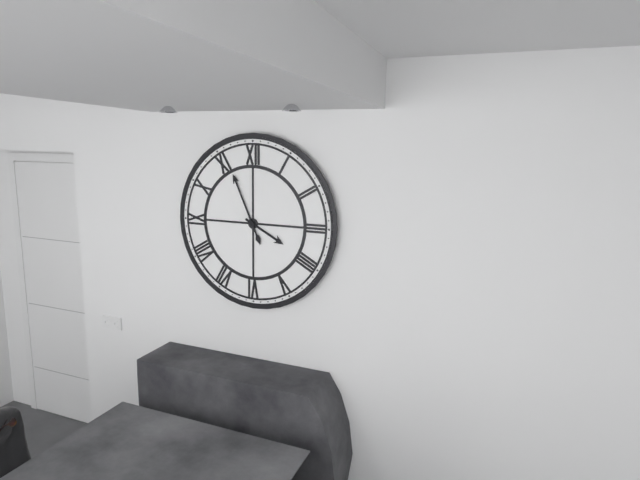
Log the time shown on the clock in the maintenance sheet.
3:56
